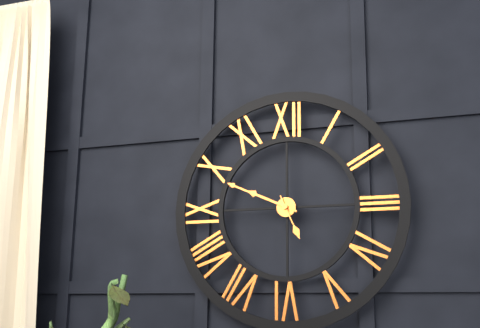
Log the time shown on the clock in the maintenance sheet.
9:49
